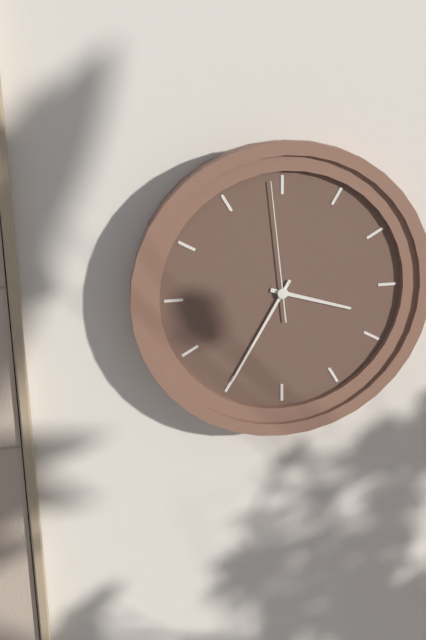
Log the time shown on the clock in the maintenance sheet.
3:35:59
